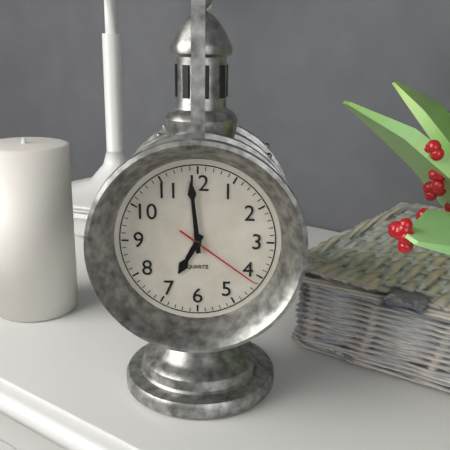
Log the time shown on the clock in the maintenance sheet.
6:59:21
